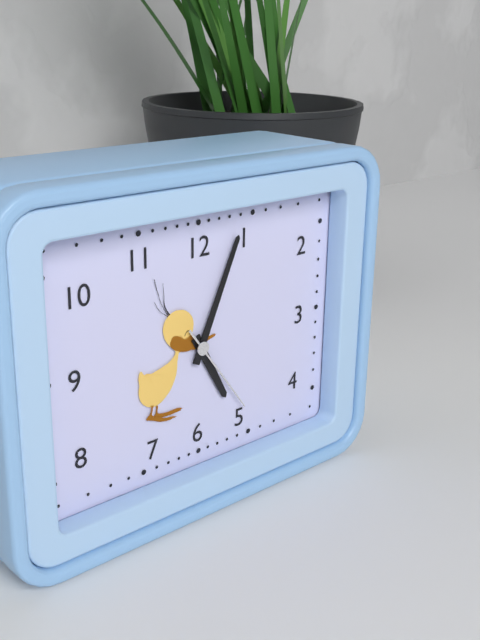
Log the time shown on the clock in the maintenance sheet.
5:04:24
